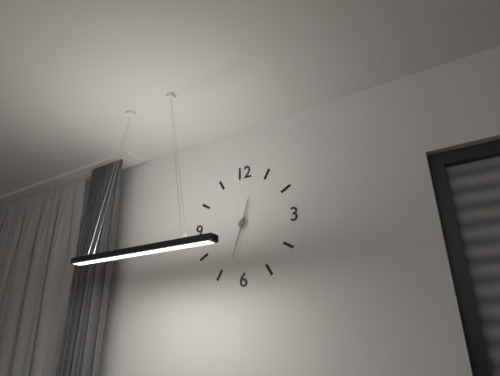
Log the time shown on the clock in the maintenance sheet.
12:33
